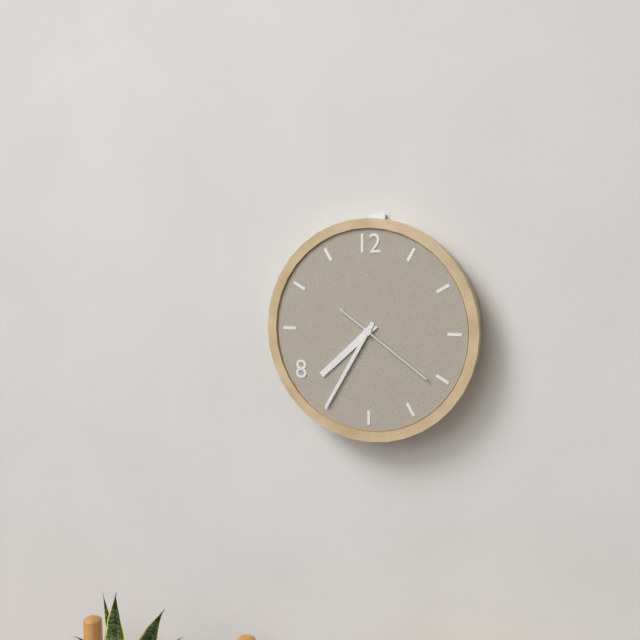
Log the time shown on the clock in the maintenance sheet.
7:35:21
